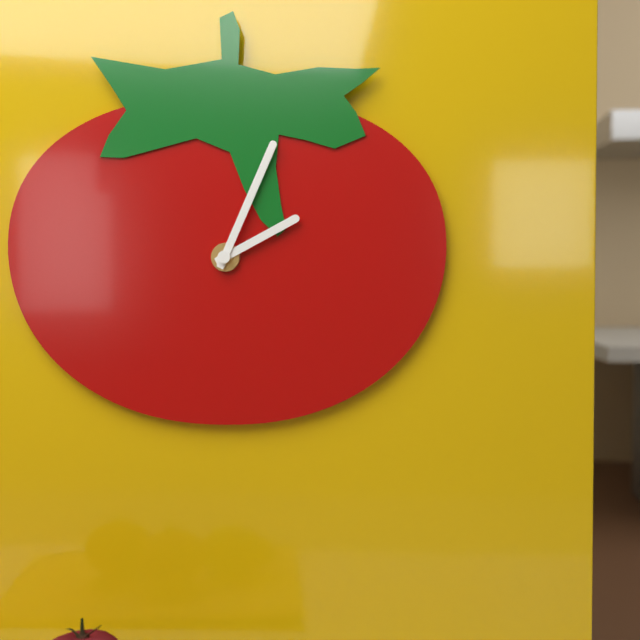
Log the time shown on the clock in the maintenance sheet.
2:04
